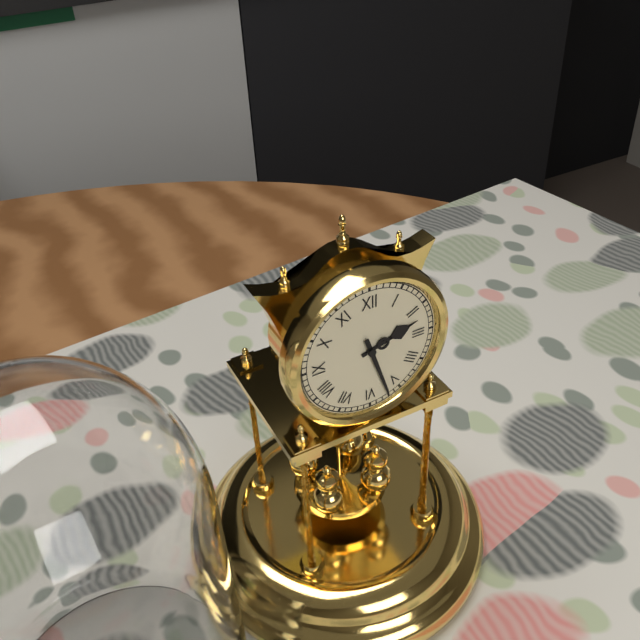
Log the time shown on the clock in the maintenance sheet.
2:27
